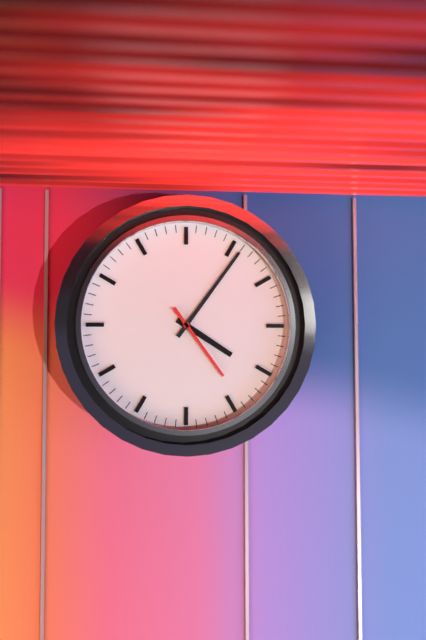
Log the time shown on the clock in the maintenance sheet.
4:06:24
